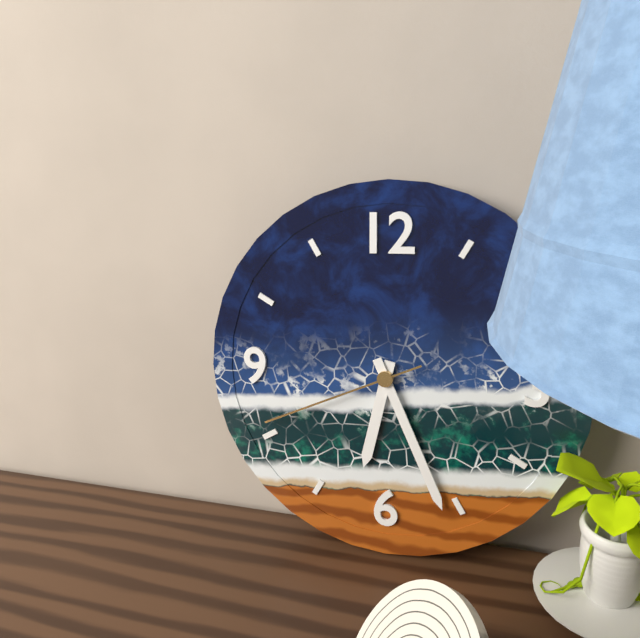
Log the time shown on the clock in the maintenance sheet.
6:26:41
